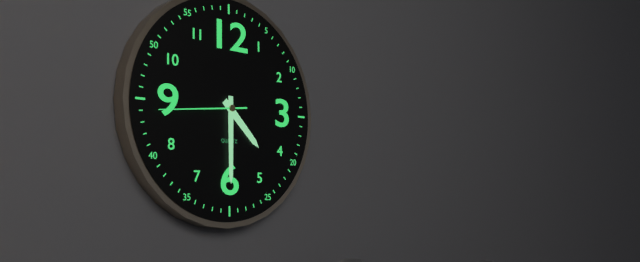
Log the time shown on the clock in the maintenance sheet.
4:30:44
